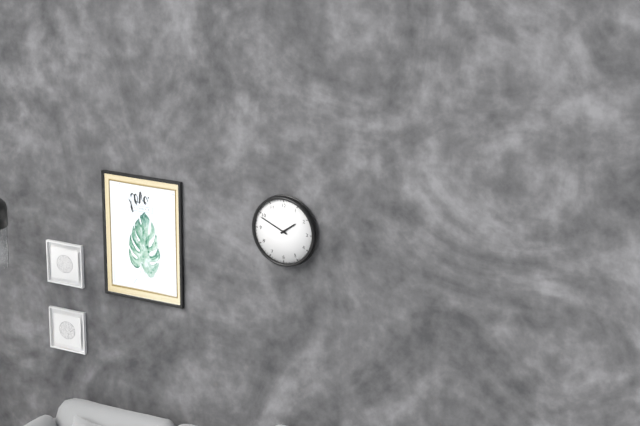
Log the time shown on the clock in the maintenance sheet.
1:49
